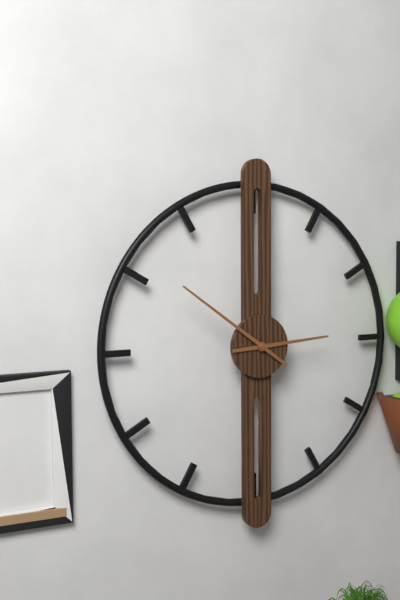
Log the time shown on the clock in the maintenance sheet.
2:51
